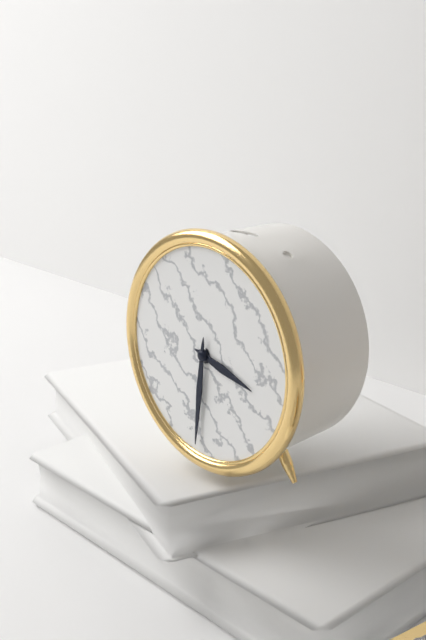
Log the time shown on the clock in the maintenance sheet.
3:31
